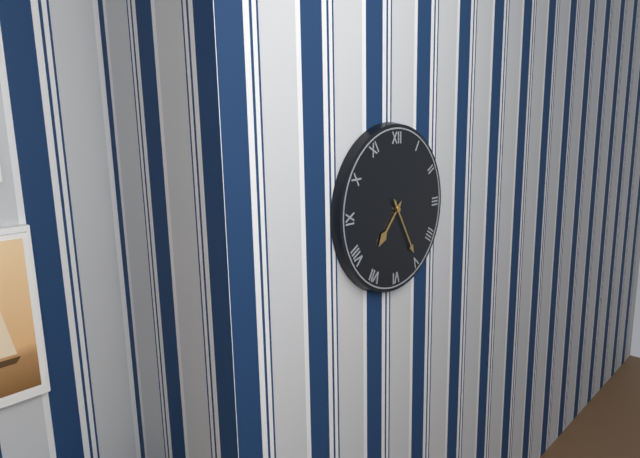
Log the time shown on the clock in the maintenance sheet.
7:25
